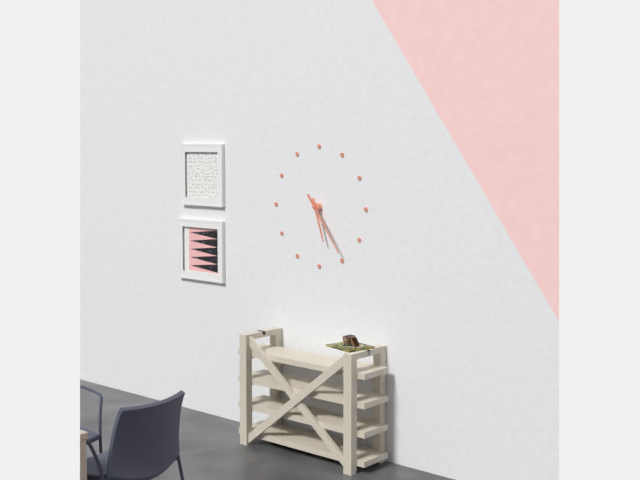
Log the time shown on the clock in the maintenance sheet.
5:24
